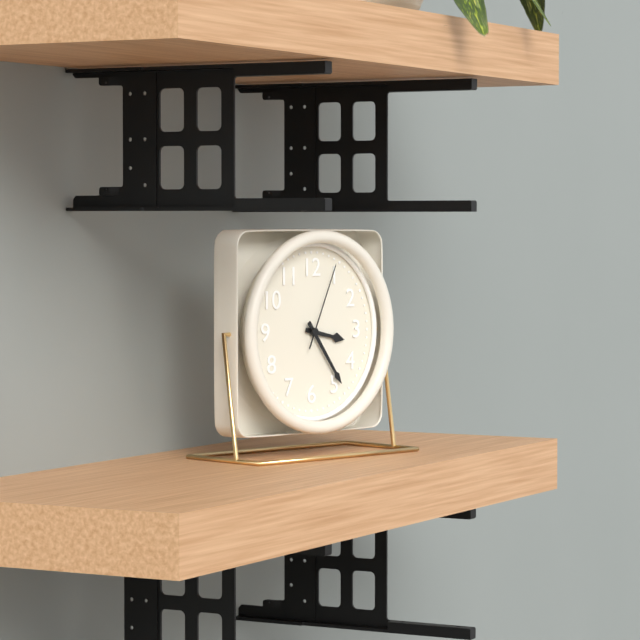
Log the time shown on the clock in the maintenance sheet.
3:24:04
